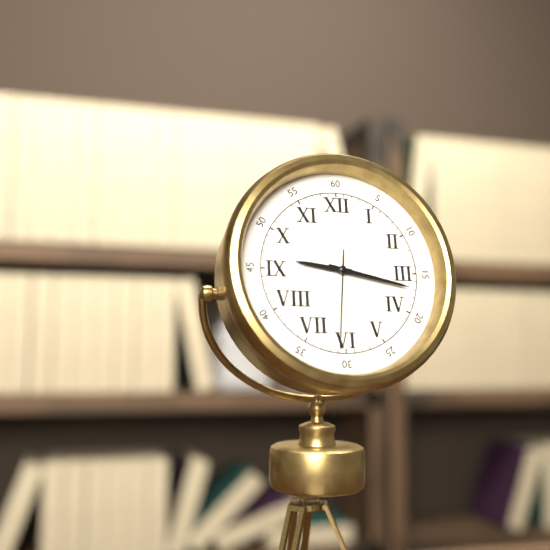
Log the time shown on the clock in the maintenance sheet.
9:17:31
